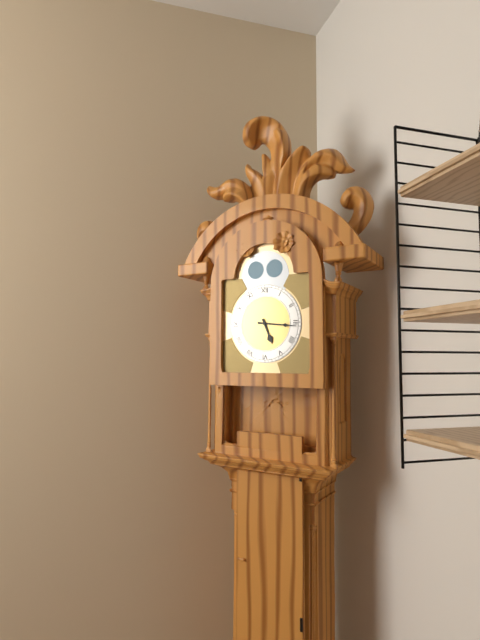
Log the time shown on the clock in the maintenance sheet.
5:16
